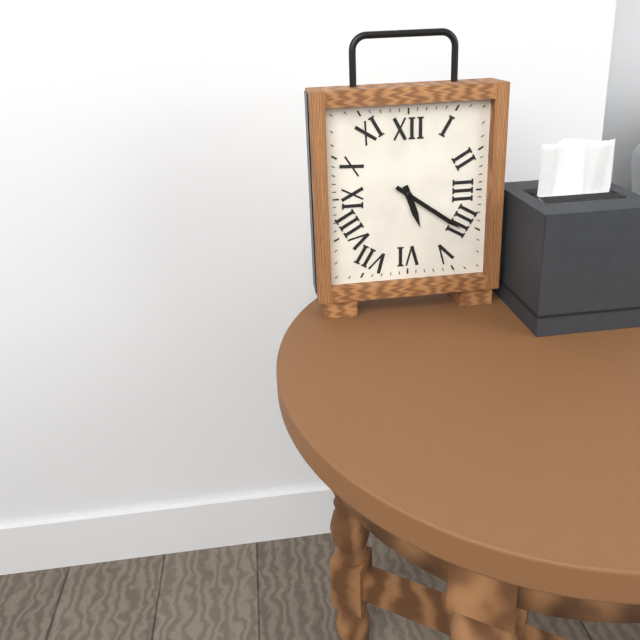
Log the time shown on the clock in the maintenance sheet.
5:21
